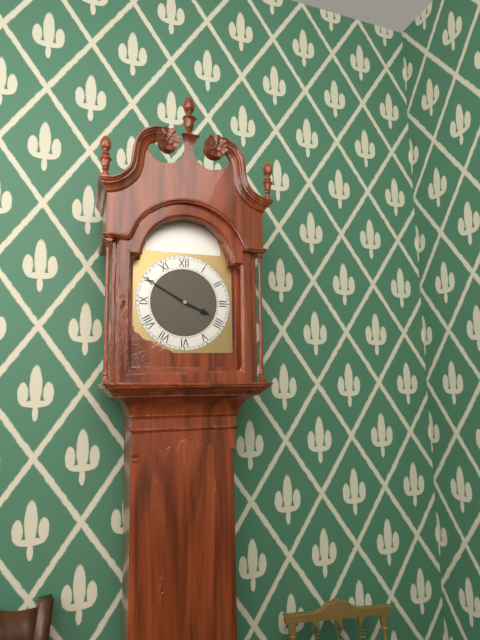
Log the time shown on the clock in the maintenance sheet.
3:50
